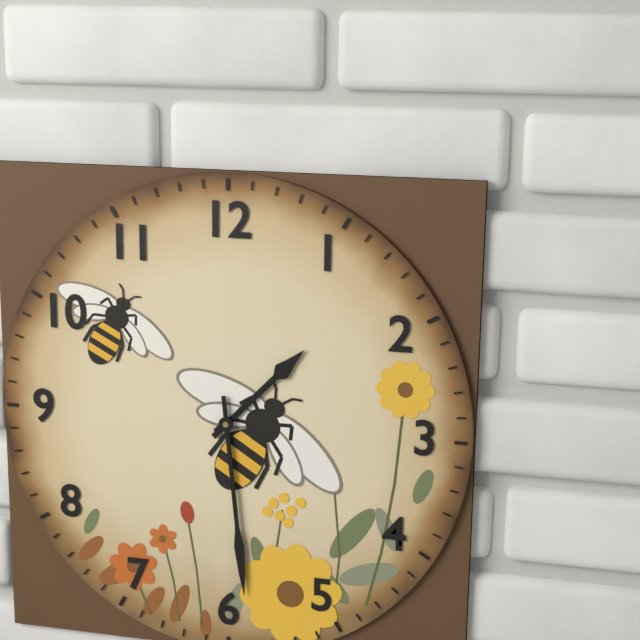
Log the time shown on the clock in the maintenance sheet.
1:29
